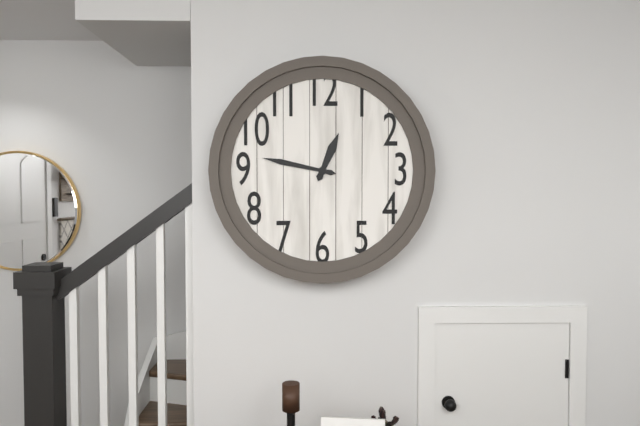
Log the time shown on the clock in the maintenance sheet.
12:47
